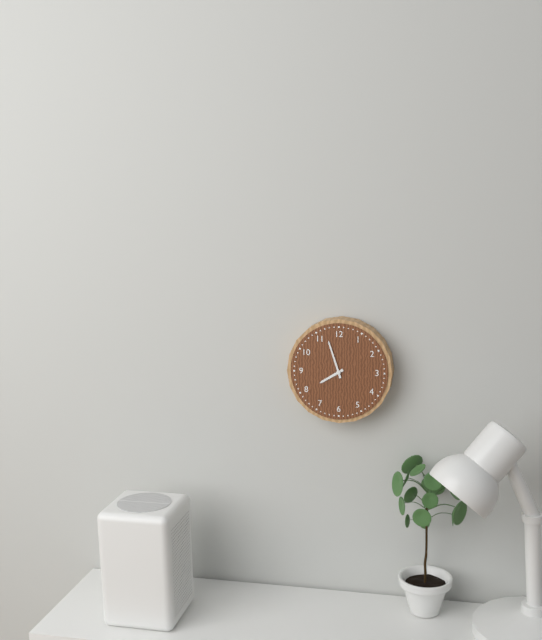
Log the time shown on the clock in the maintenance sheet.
7:57
